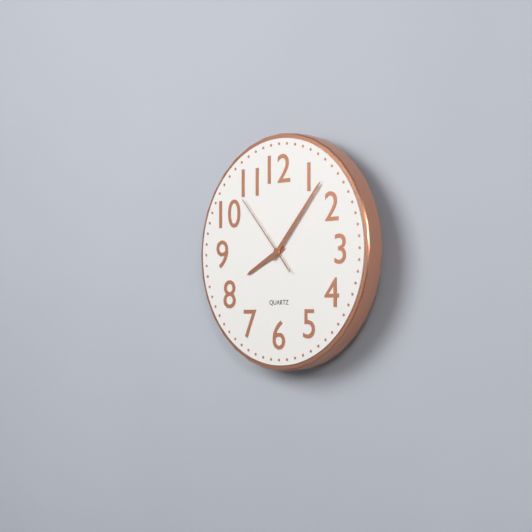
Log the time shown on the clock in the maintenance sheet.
8:07:53
